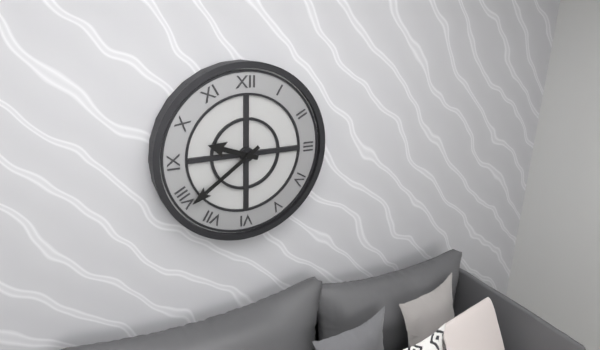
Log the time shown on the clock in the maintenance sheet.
9:39
